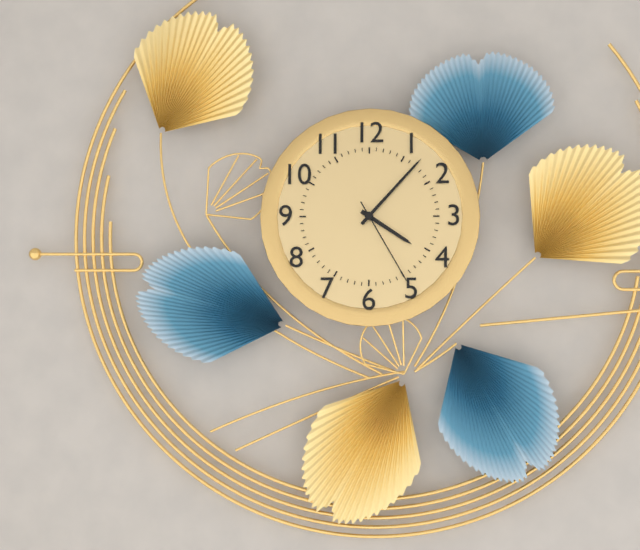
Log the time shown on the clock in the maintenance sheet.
4:07:25
